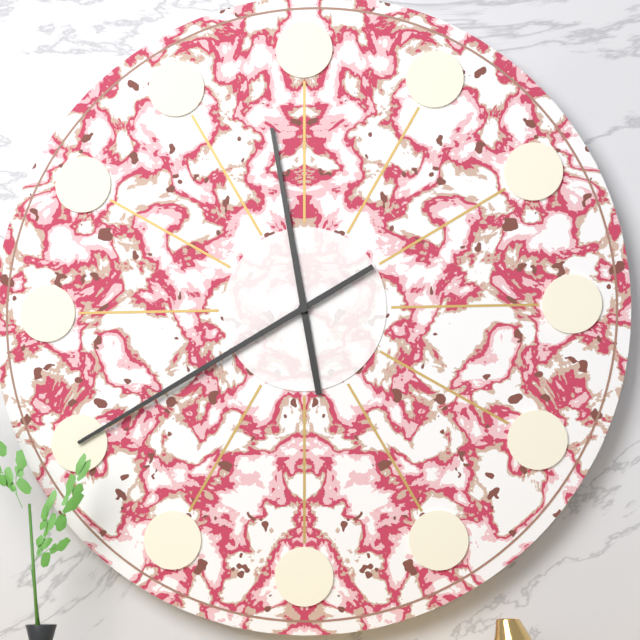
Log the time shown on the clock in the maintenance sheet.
11:40
